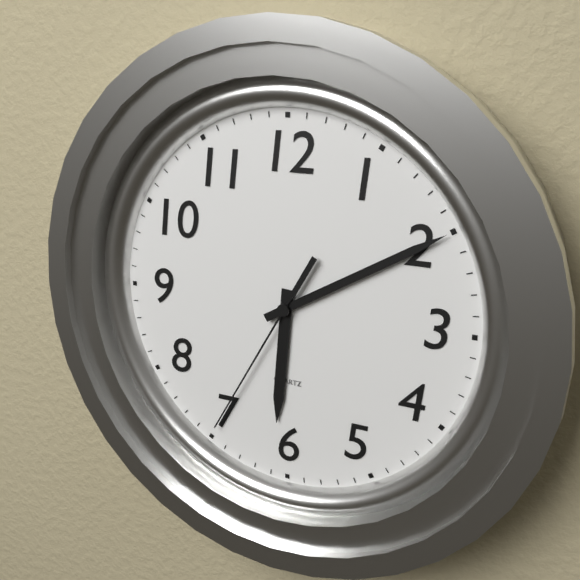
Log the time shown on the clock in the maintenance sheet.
6:10:35
